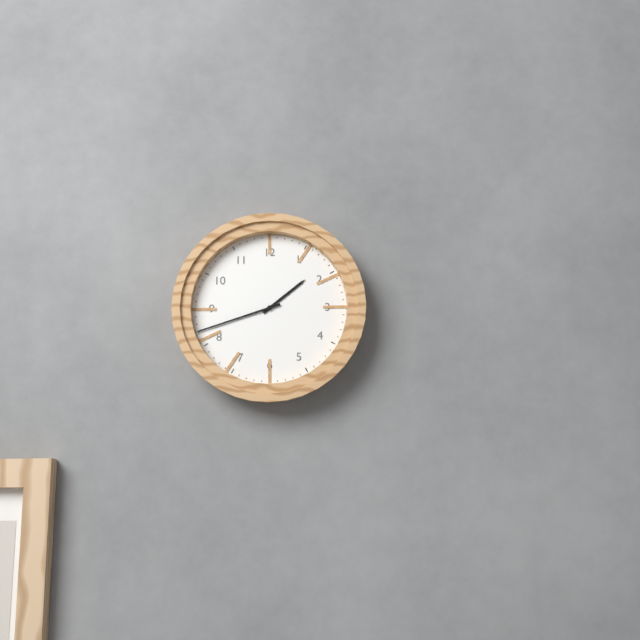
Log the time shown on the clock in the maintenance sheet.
1:42
